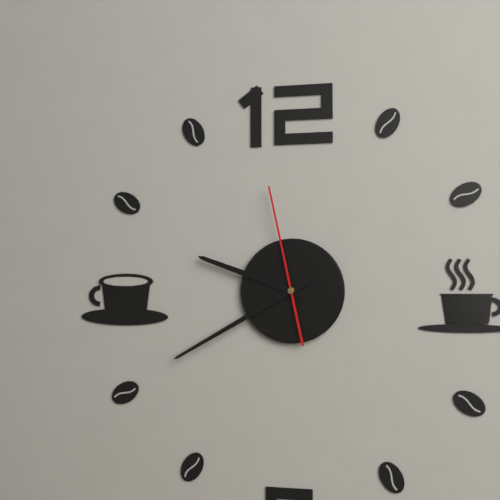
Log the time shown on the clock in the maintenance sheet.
9:40:58
